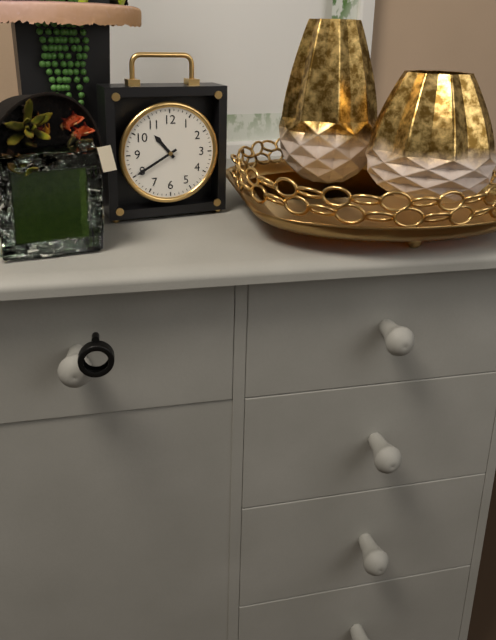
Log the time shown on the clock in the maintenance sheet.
10:40
